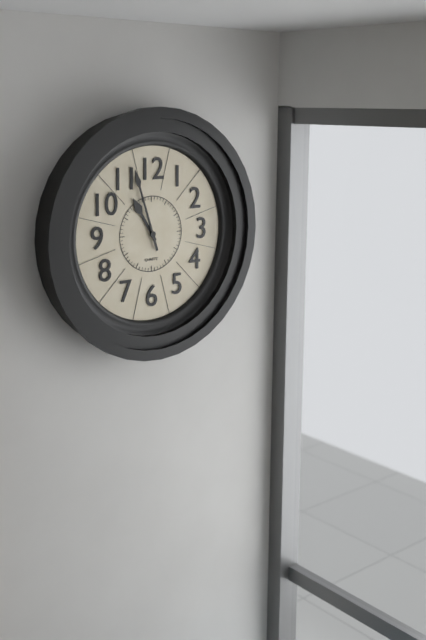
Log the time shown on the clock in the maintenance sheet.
10:57
